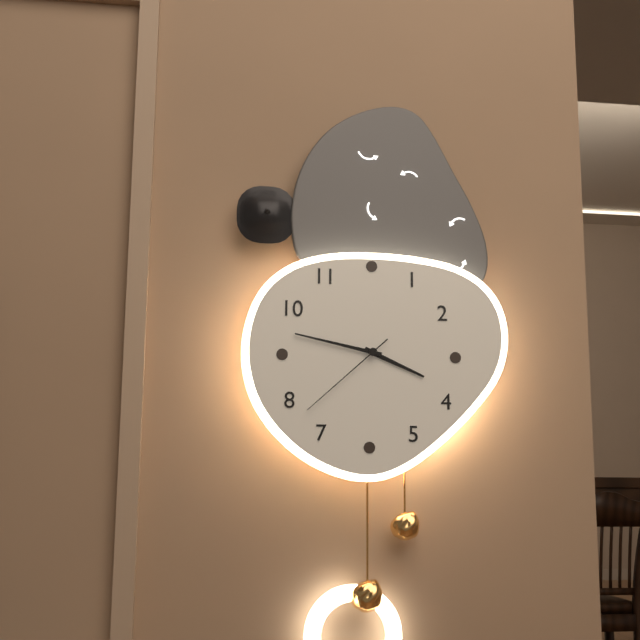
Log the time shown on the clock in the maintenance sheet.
3:47:38
